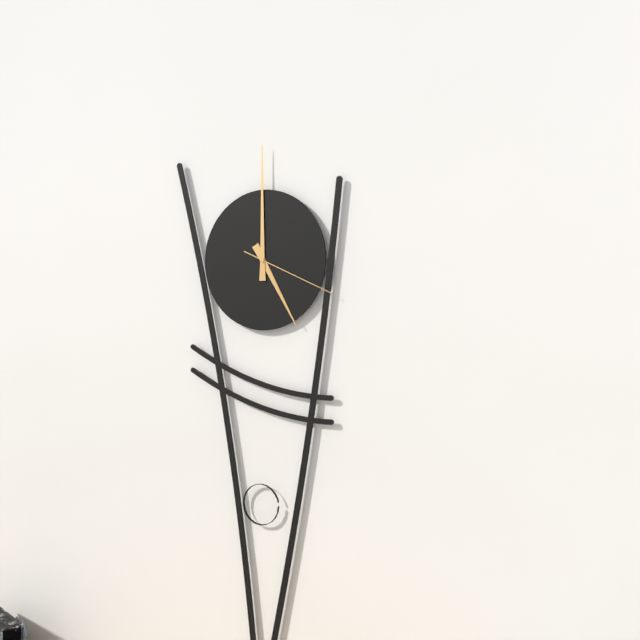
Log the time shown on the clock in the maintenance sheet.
5:00:19
